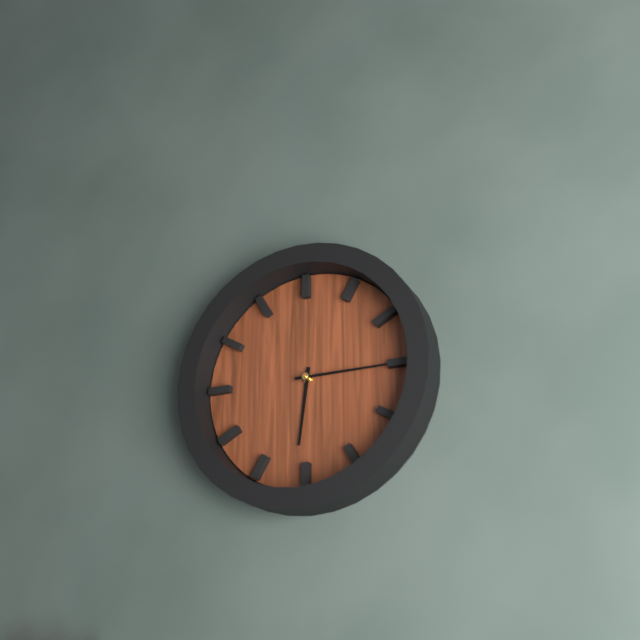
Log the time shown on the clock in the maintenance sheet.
6:15
